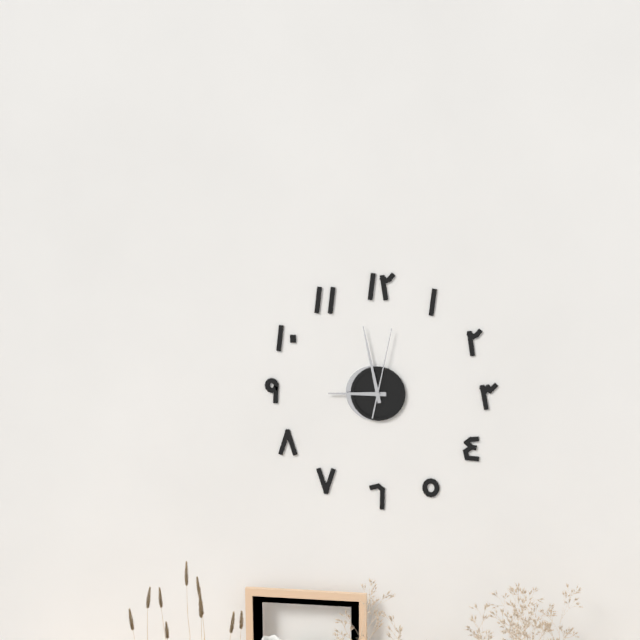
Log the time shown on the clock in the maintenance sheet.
8:58:02
